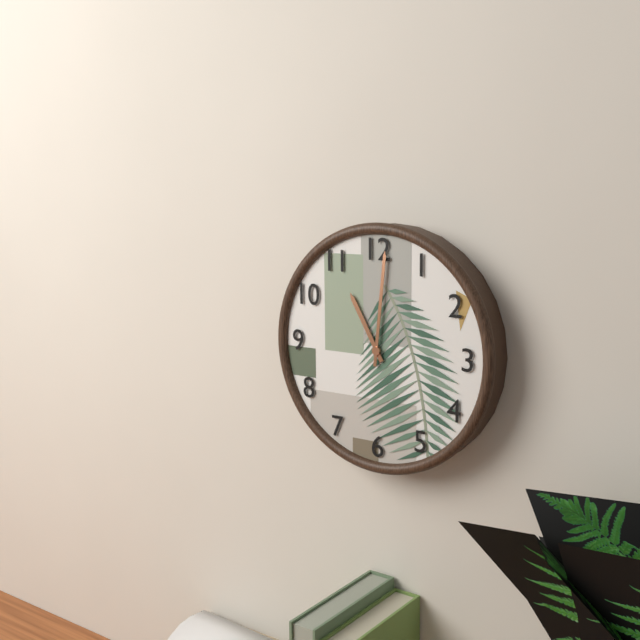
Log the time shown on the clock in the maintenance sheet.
11:01
